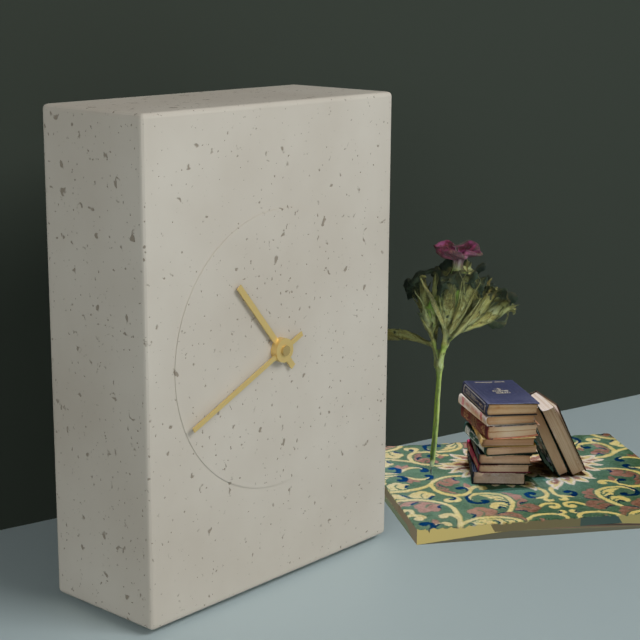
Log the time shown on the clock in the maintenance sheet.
10:41
